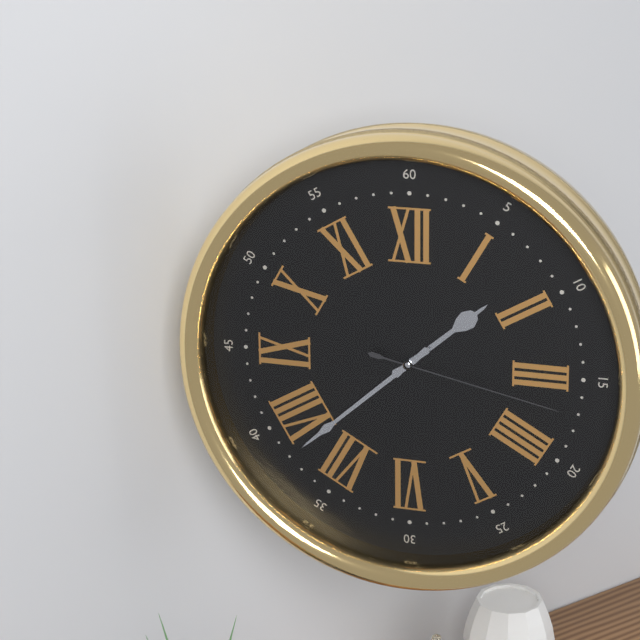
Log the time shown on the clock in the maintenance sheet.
1:38:17
